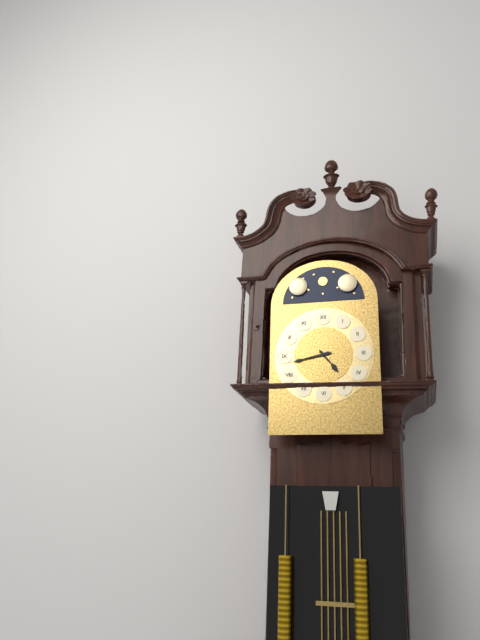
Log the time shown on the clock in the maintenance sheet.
4:43
